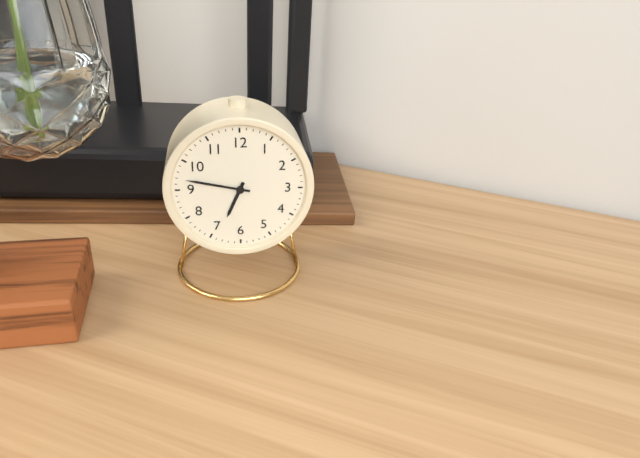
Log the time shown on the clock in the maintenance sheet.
6:47
